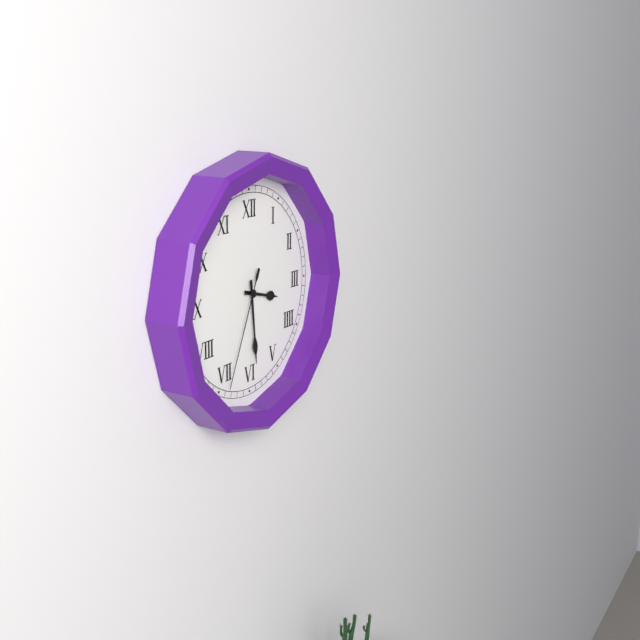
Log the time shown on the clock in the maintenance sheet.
3:29:34
